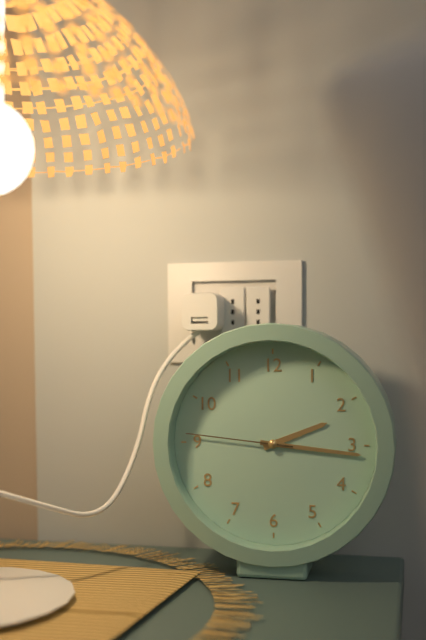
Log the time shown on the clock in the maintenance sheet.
2:16:46
